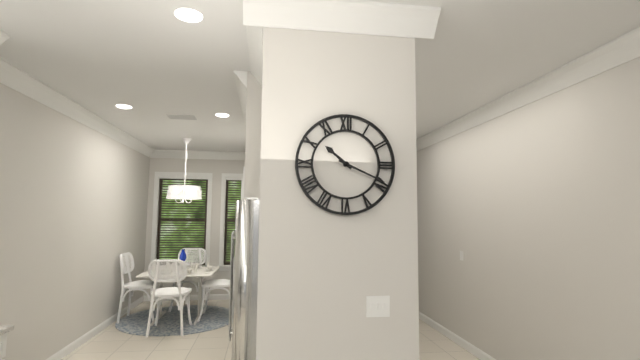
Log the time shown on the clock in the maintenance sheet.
10:19
